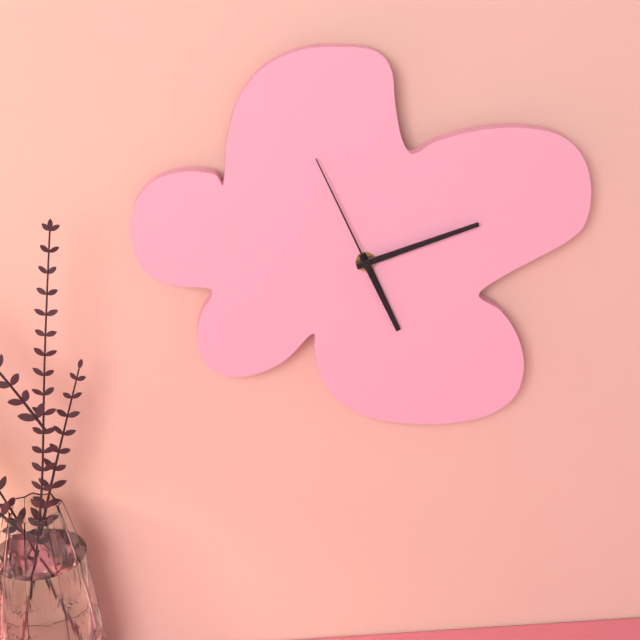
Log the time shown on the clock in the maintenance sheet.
5:12:56
